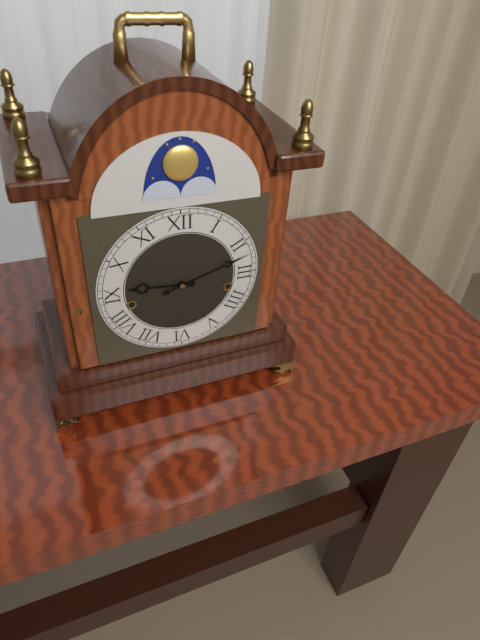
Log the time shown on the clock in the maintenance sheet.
9:12
